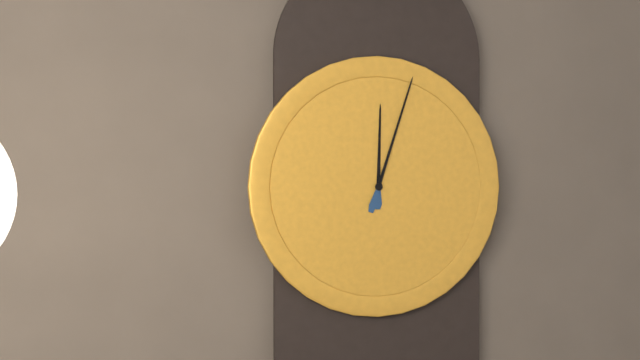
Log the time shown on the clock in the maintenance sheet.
12:03
